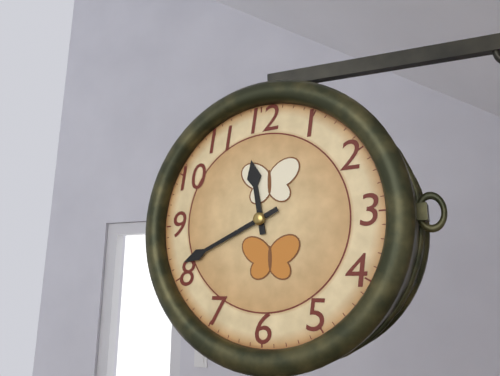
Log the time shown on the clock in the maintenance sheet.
11:41
